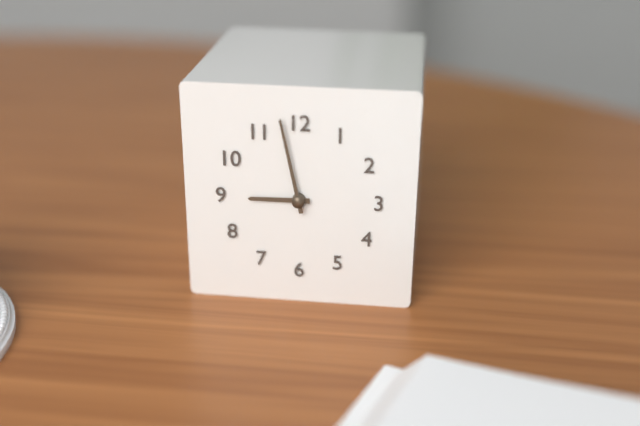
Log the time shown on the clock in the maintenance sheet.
8:58
